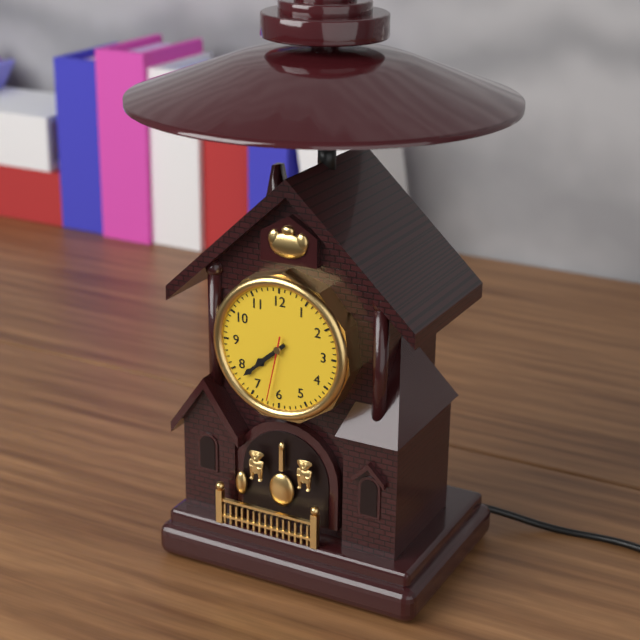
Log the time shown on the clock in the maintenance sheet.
7:38:32
